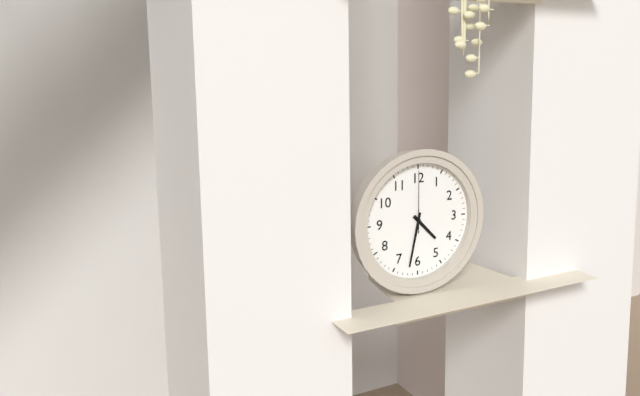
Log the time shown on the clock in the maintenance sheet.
4:32:00
